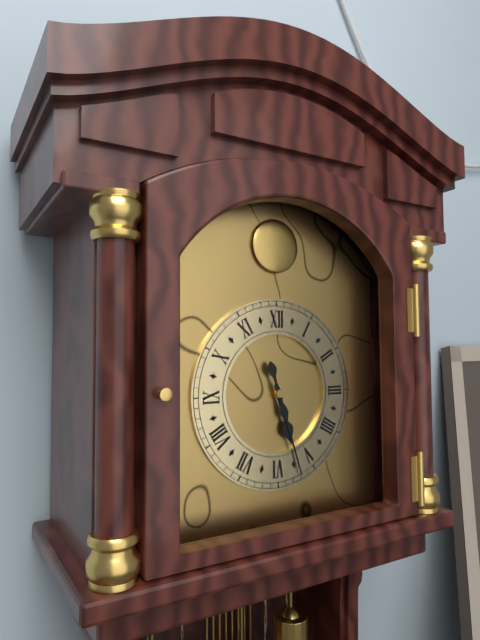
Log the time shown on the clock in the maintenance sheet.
5:27
